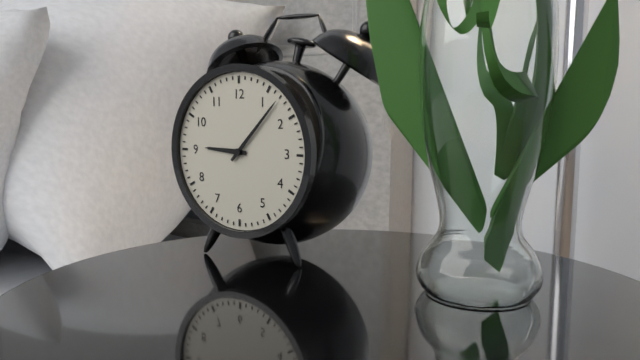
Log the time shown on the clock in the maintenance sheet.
9:07
